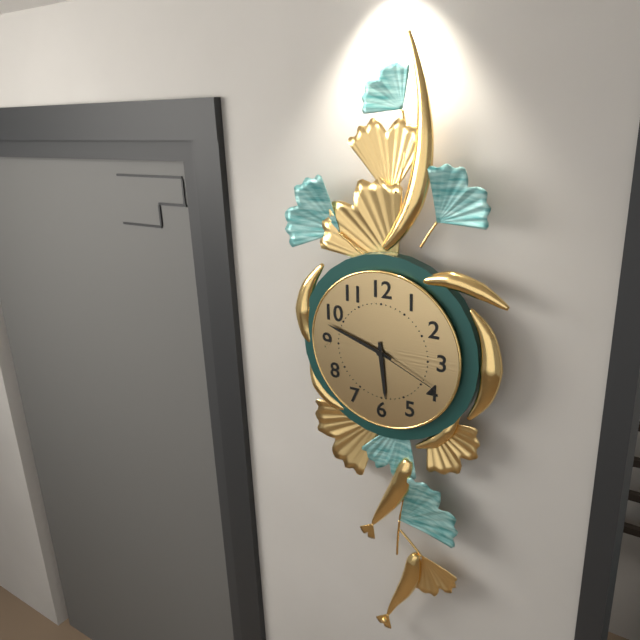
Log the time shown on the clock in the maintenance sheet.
5:48:19
